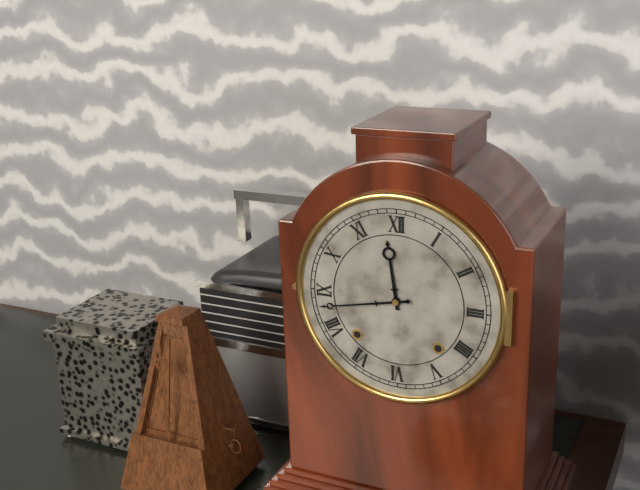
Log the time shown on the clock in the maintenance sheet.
11:43
